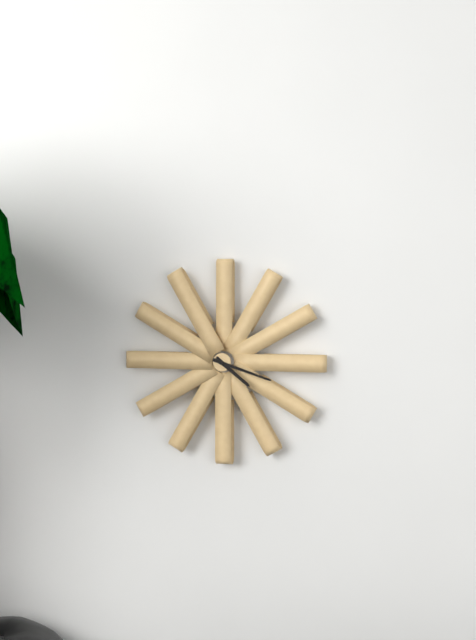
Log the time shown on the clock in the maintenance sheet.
4:18
